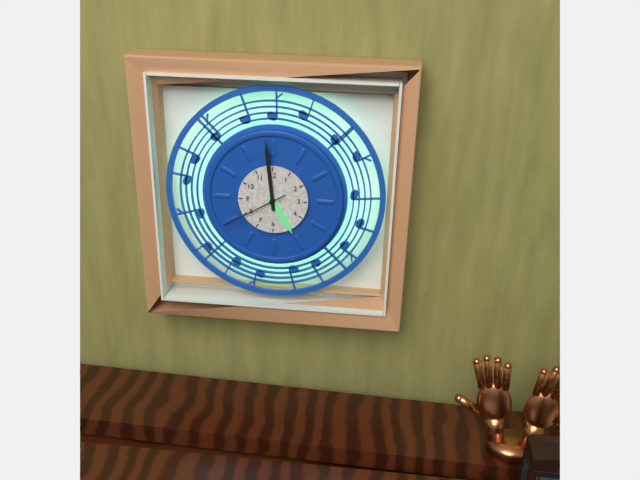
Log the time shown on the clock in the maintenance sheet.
4:59:40
